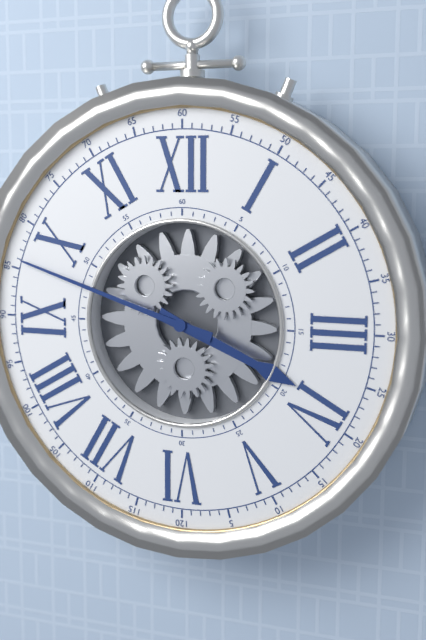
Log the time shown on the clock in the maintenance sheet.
3:48
